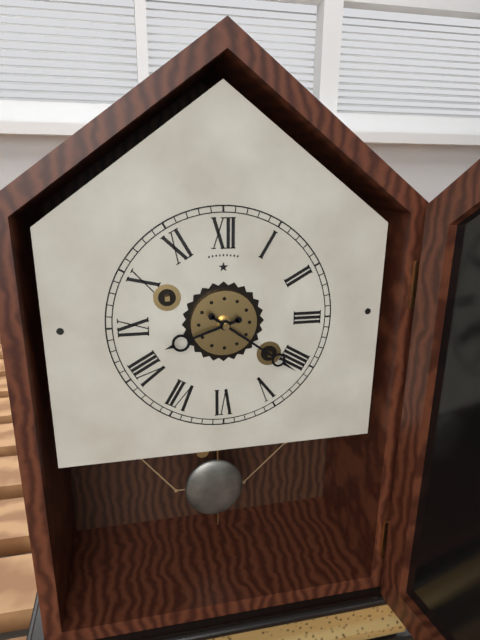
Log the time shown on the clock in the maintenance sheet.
8:21
